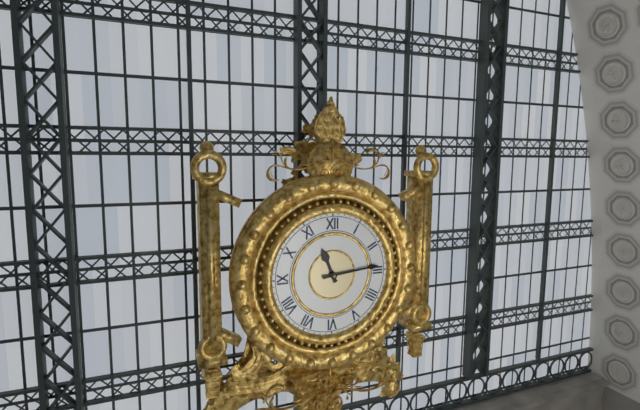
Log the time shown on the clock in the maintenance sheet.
11:14
